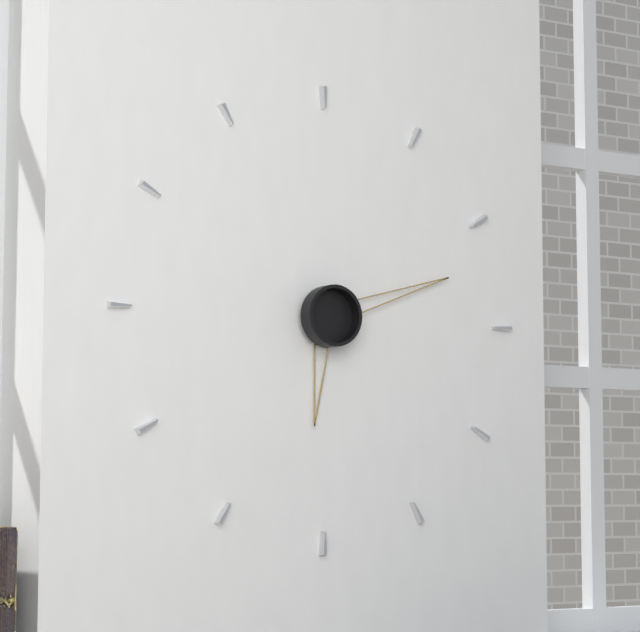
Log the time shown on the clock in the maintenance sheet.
6:12
